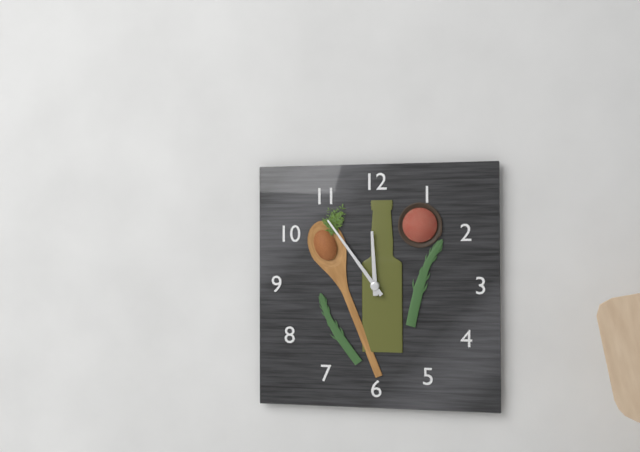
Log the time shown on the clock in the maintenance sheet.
11:54
